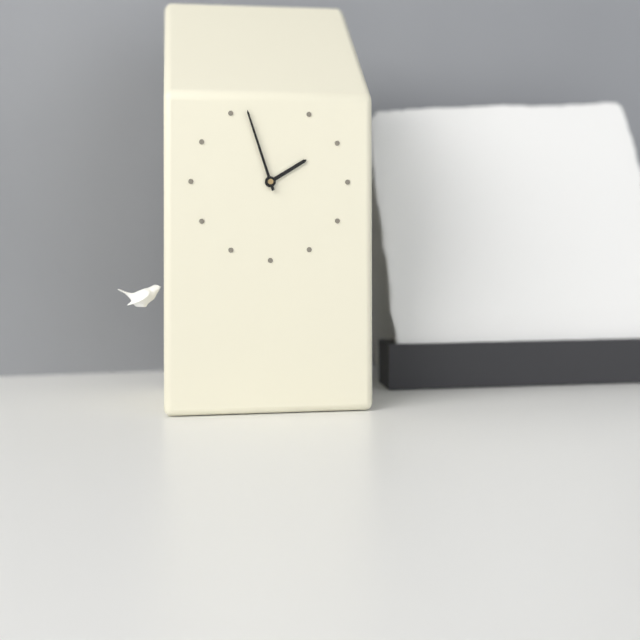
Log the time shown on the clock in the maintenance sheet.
1:57
